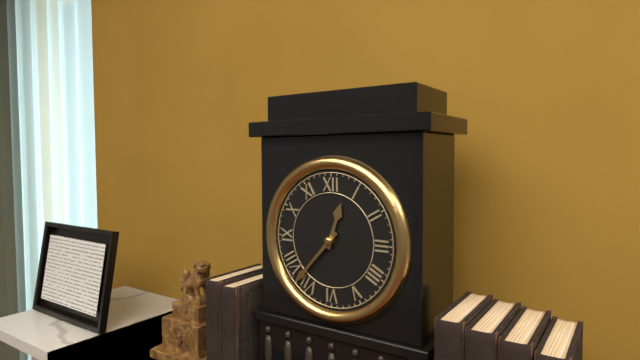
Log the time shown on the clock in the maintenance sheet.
12:37
